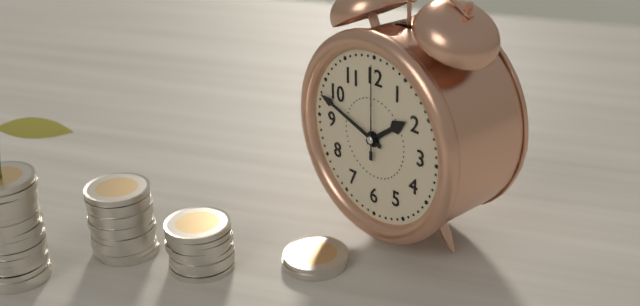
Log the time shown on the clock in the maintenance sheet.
1:48:00
